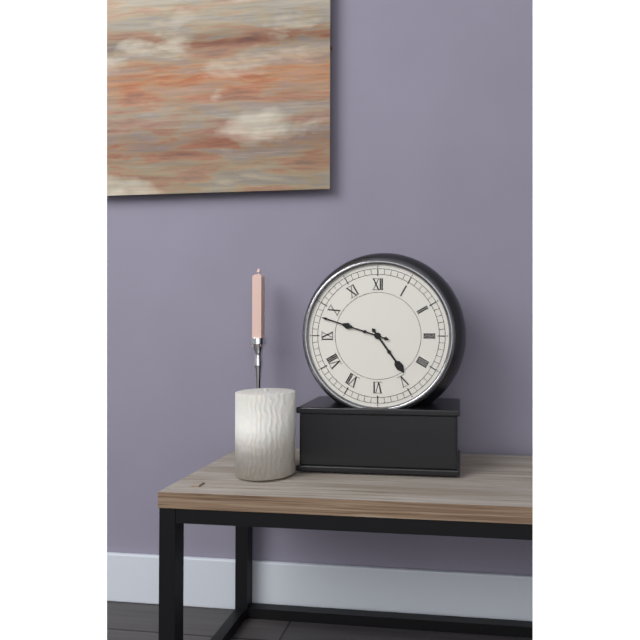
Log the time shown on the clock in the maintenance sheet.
4:48
